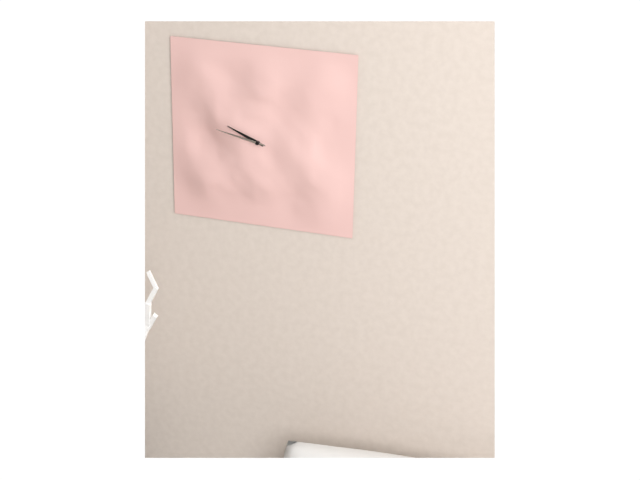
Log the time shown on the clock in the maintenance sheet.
9:47
